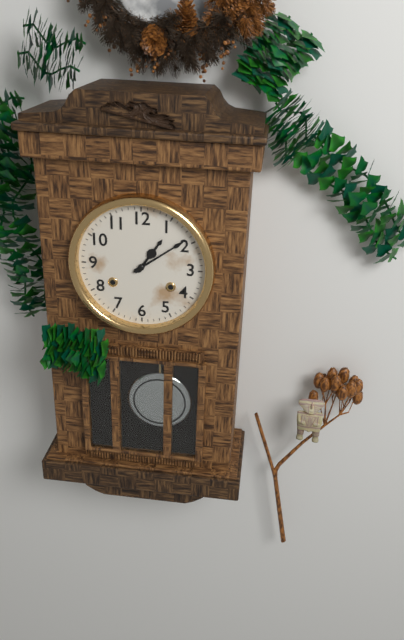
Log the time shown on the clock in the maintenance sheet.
1:09
